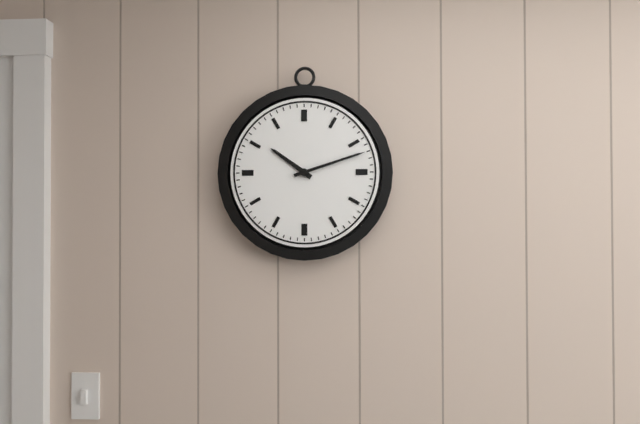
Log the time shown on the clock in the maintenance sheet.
10:12
